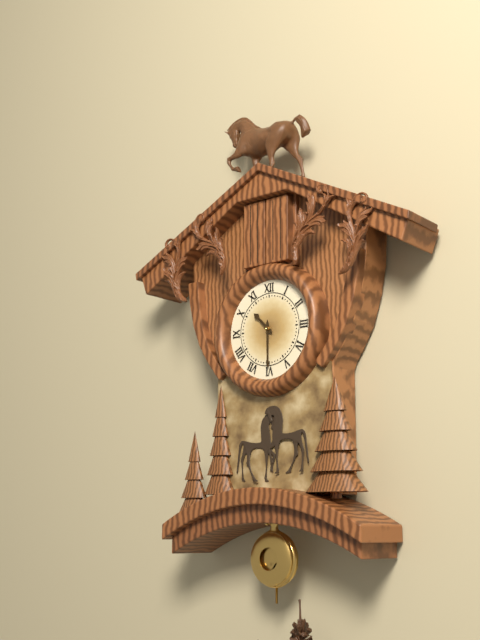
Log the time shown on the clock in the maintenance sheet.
10:30
